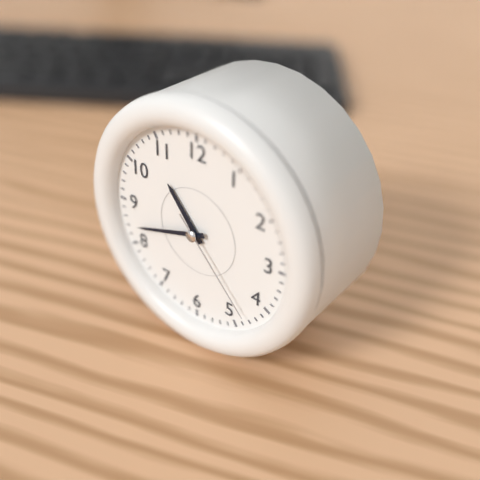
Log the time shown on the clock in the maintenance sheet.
10:42:23
